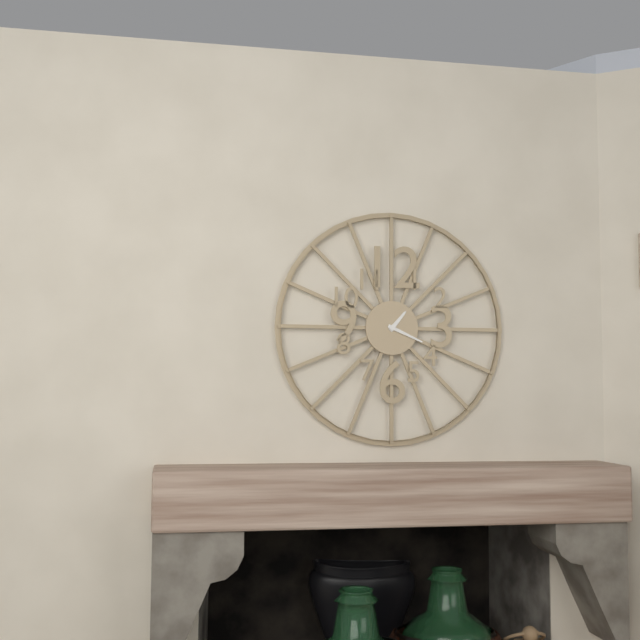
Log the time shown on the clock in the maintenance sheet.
1:19
